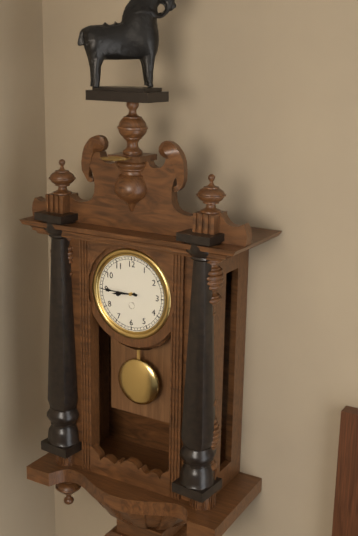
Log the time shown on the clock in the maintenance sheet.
8:45
